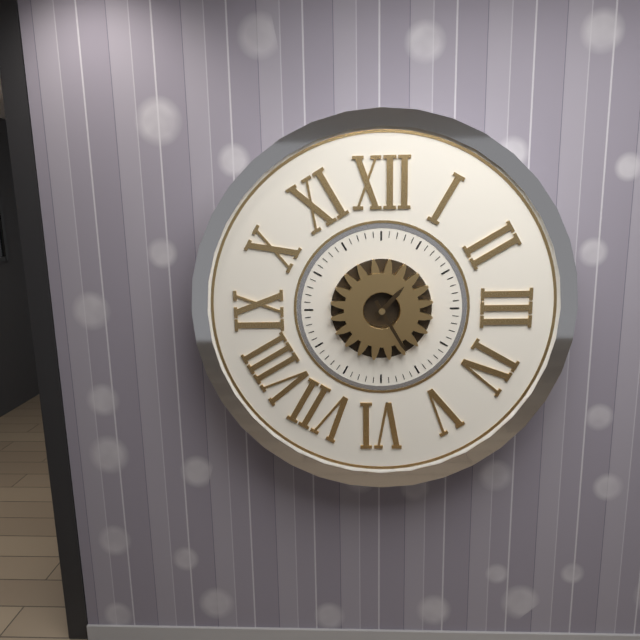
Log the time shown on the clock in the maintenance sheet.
1:25
